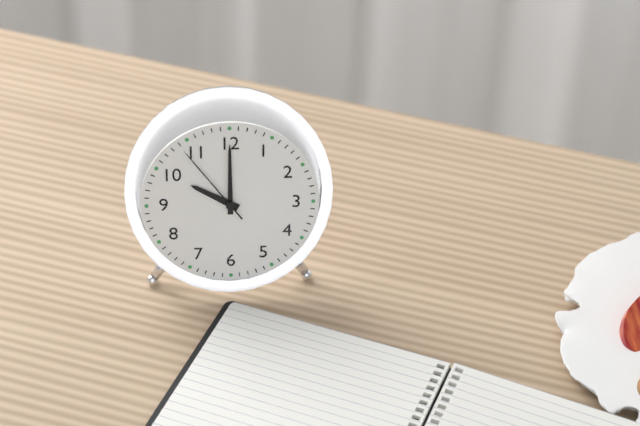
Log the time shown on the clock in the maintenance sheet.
10:00:54
